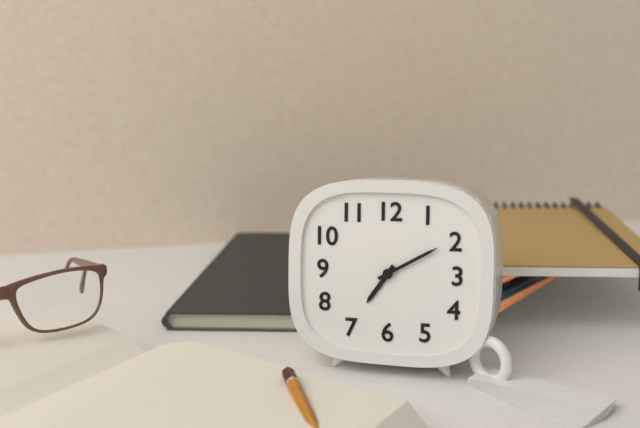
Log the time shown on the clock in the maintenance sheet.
7:10
